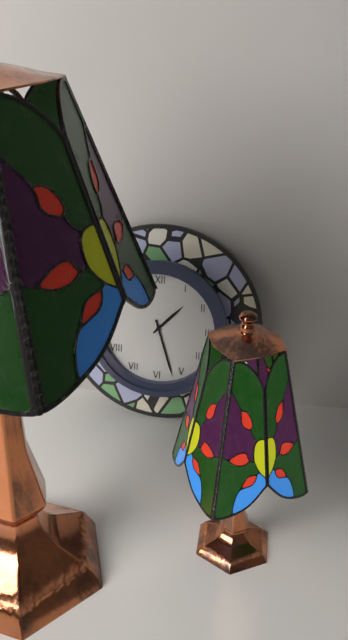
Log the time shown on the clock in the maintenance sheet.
1:27
